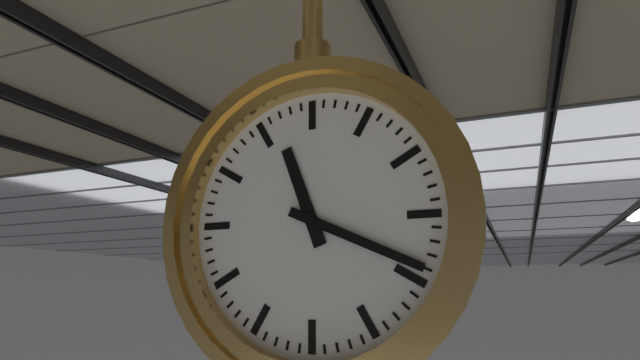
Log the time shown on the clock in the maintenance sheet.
11:19
